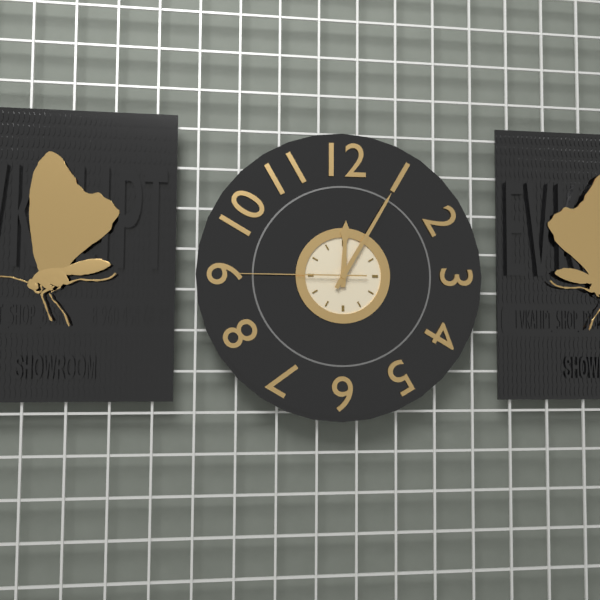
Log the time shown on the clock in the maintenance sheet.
12:05:45
